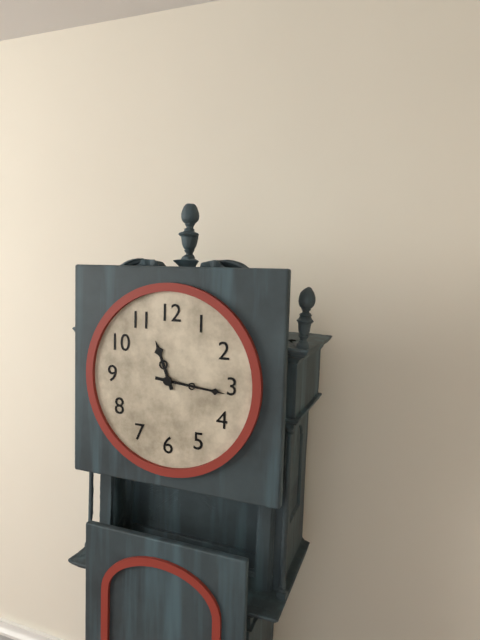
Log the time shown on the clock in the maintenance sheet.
11:16
